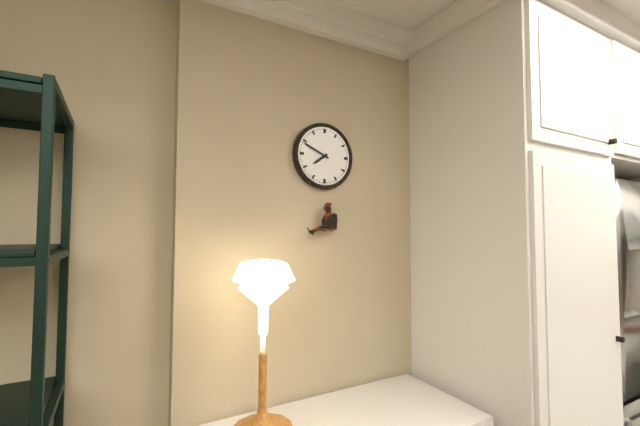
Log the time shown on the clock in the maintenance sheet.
7:49
